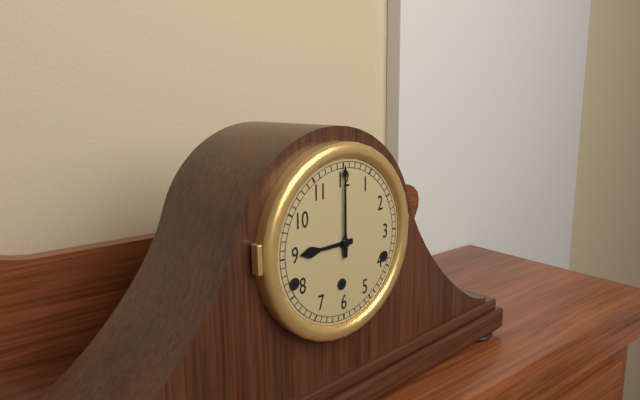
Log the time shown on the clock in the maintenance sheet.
9:00
